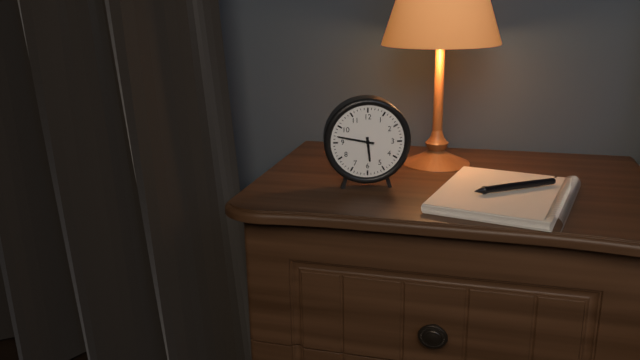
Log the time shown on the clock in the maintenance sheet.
5:47
